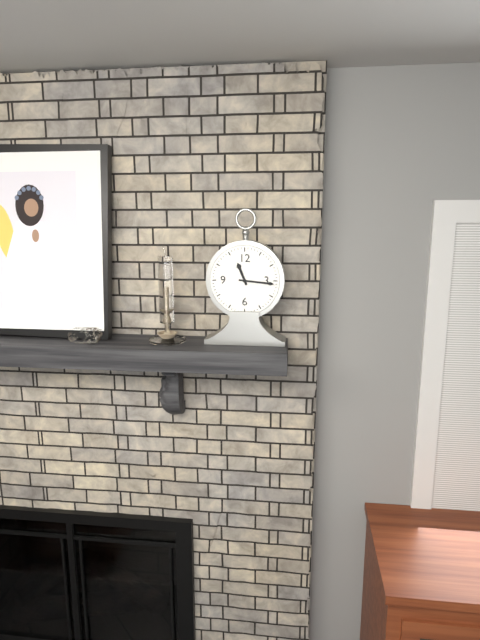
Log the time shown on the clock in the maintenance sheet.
11:16
